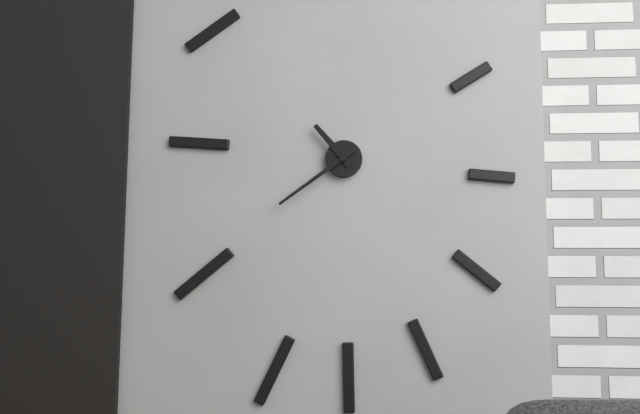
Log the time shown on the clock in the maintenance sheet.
10:39
